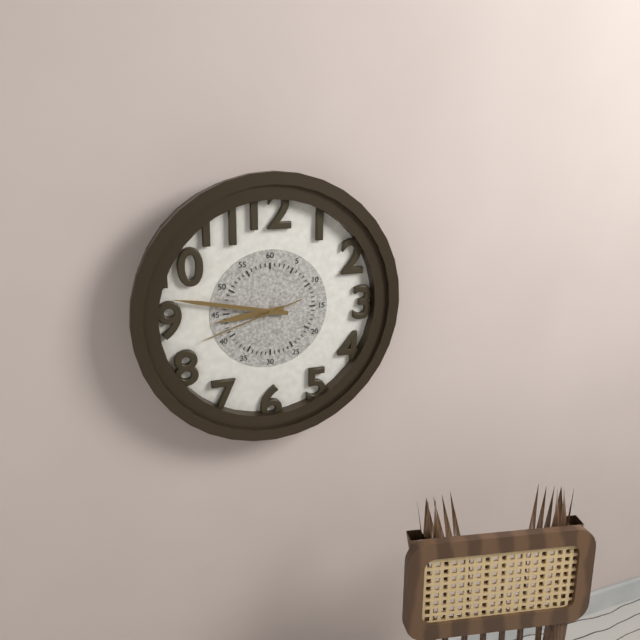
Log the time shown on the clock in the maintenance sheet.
8:47:42
